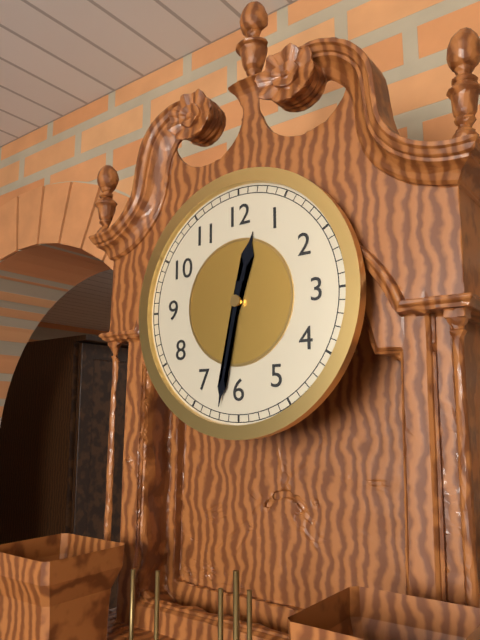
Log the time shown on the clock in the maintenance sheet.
12:32
